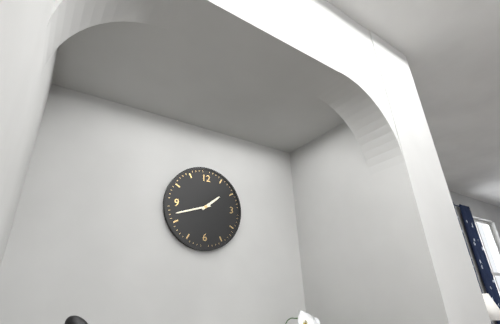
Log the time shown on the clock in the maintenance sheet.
1:42
